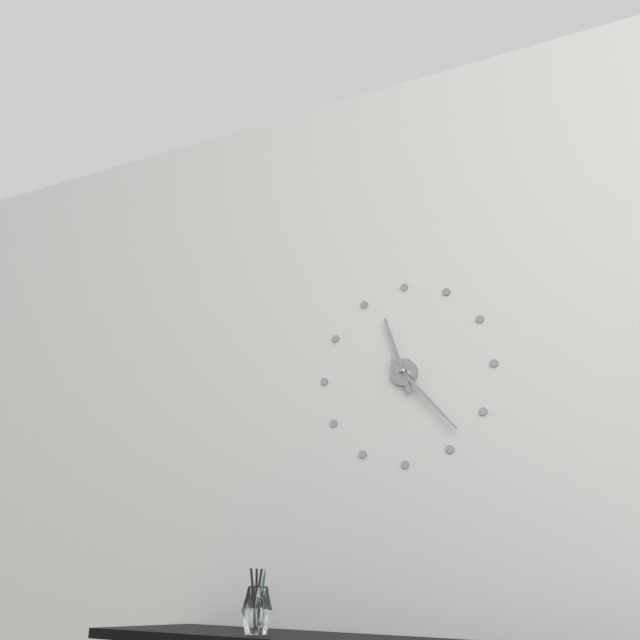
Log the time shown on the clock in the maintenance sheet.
11:23
